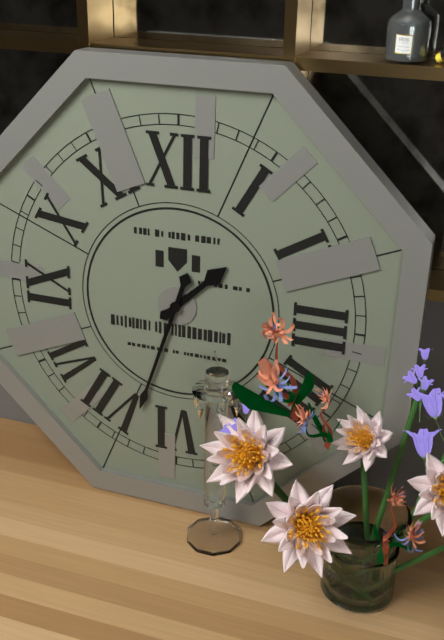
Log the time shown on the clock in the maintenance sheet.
1:33
